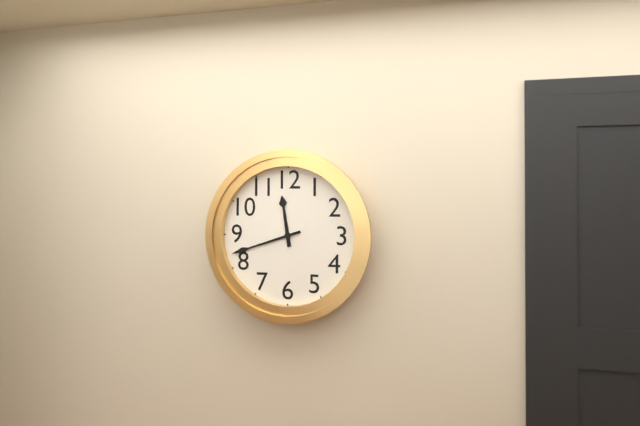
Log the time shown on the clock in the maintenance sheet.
11:42
